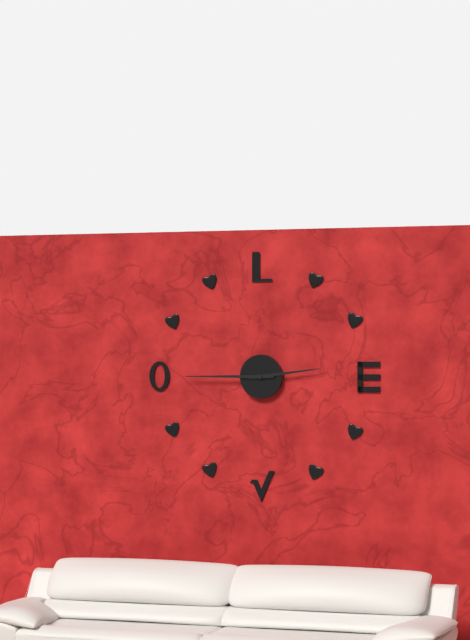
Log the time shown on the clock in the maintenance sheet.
2:45
